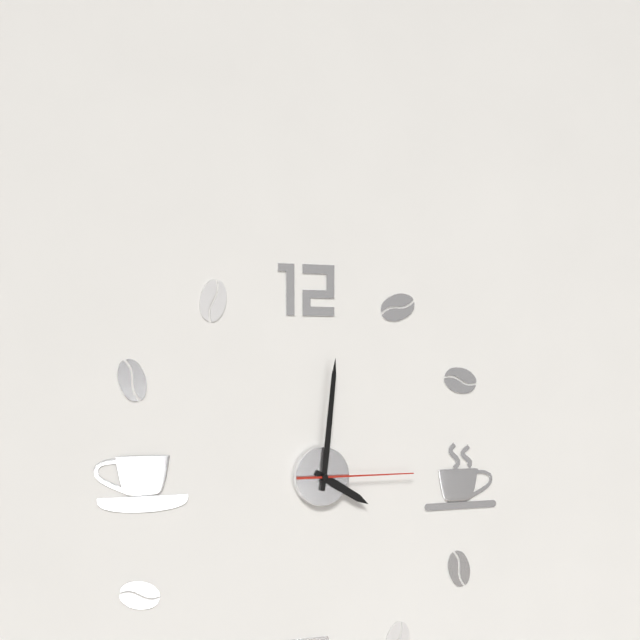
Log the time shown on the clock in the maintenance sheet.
4:01:15
